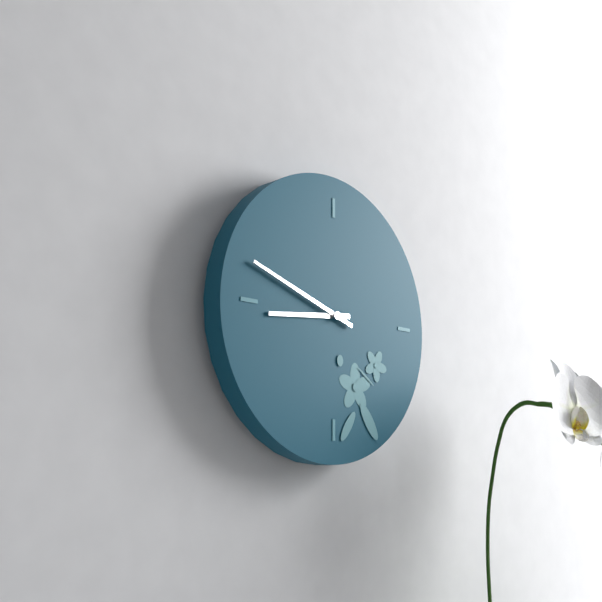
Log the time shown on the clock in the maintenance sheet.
8:48
